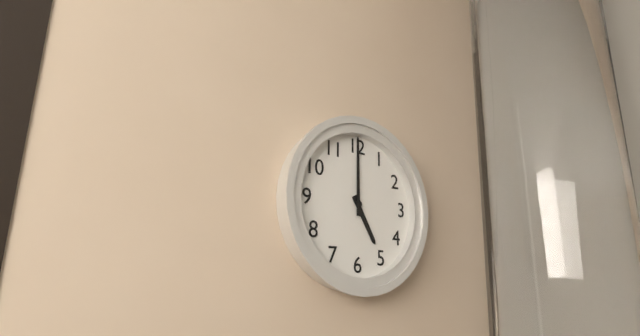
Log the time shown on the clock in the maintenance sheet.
5:00
